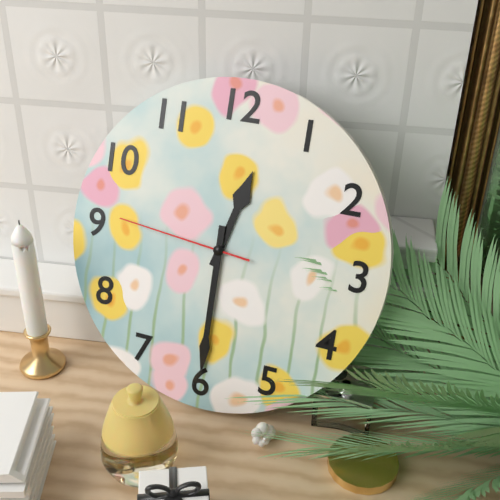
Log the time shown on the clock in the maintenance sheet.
12:30:46
